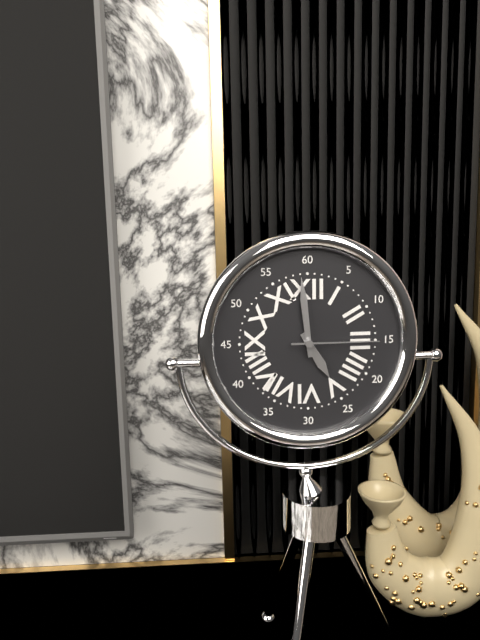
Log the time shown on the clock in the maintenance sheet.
4:59:15
